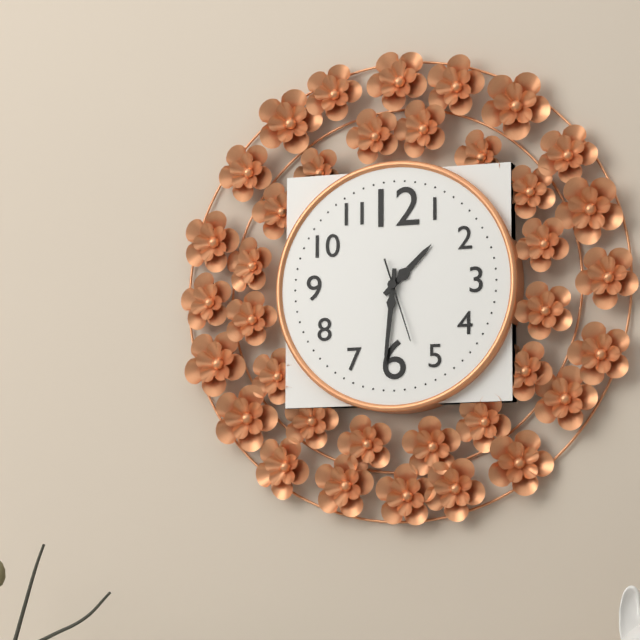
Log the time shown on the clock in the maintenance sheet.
1:31:27
